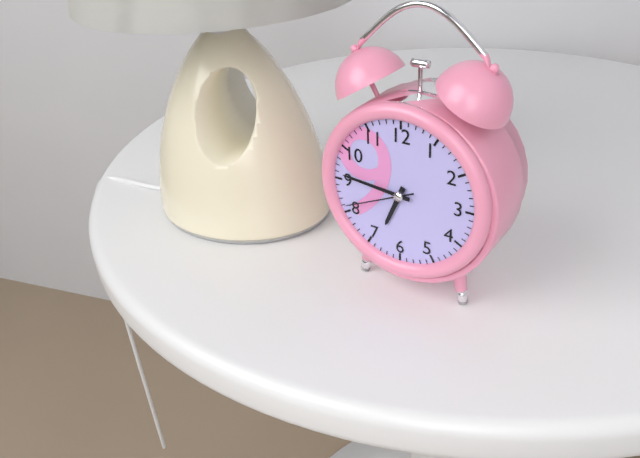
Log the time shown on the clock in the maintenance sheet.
6:46:41
